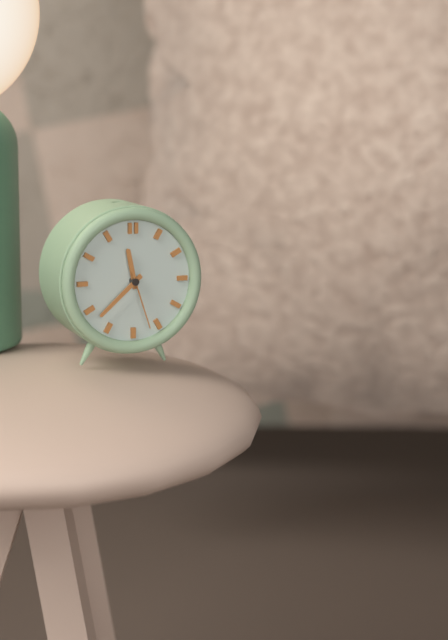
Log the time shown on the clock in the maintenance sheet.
11:38:27
